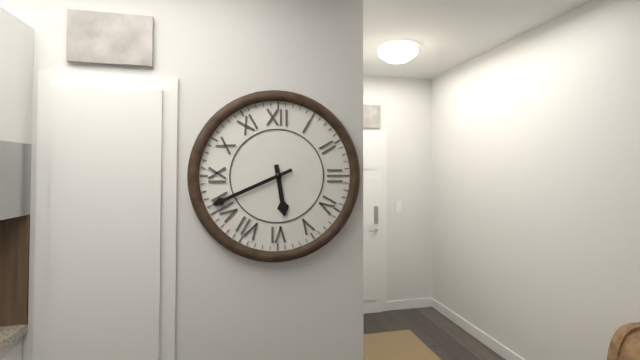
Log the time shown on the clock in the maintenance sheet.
5:41
